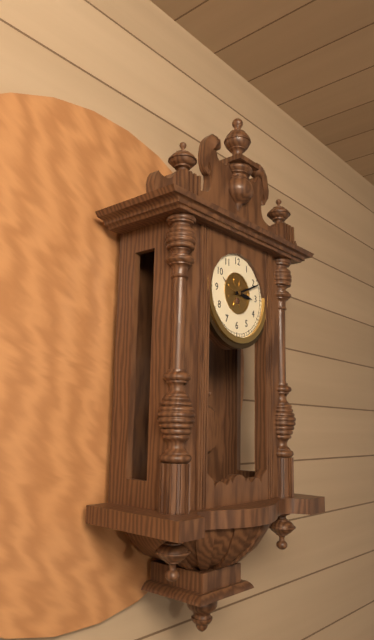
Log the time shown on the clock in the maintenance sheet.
3:11
